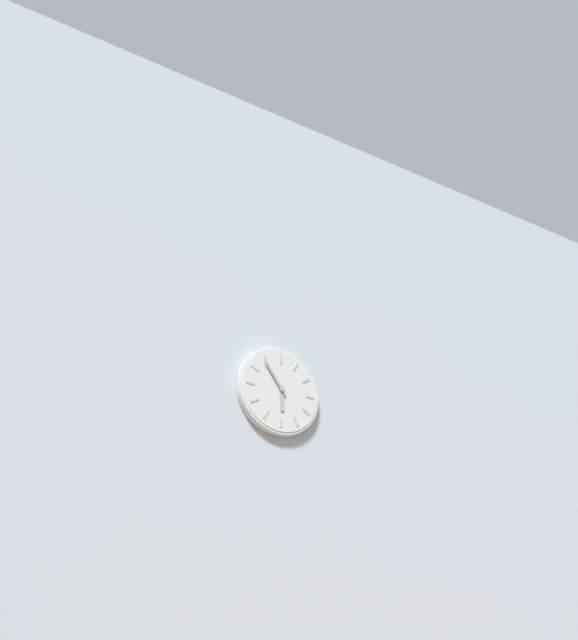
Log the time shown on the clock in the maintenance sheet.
5:54
